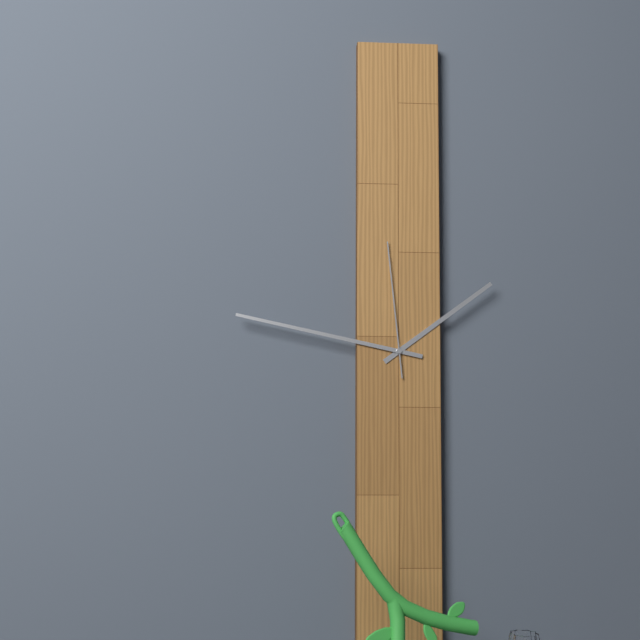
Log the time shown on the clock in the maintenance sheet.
1:47:59
